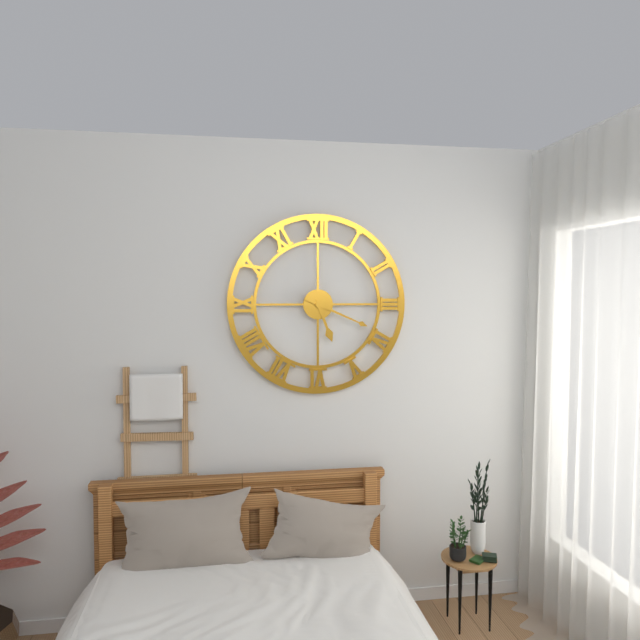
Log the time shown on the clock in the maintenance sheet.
5:19
